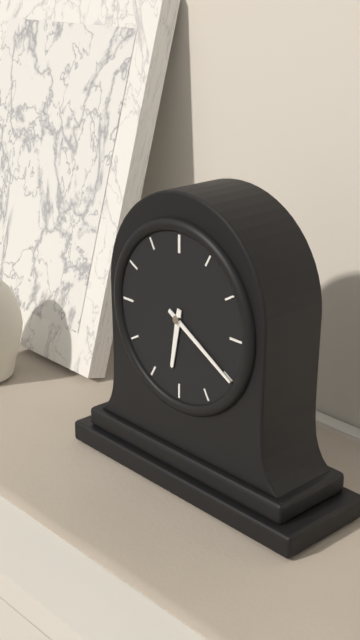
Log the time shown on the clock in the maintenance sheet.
6:20
